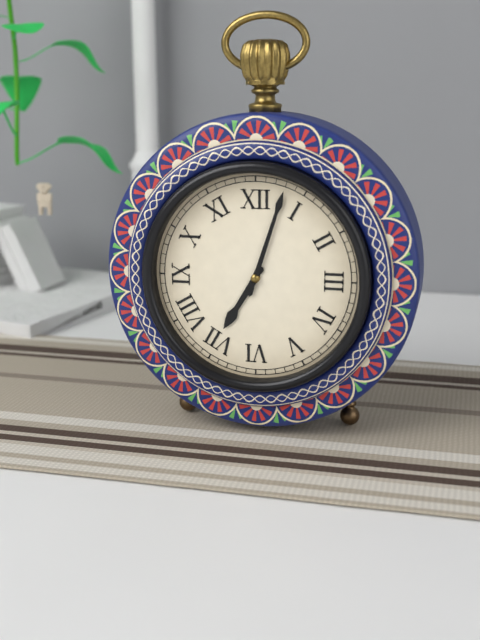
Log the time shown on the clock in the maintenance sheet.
7:03
